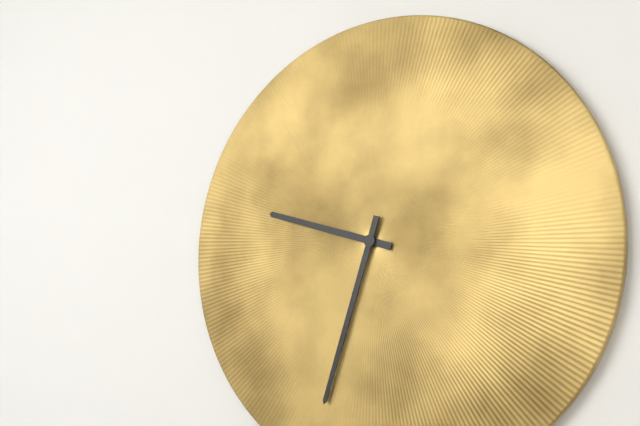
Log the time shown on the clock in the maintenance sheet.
9:33
